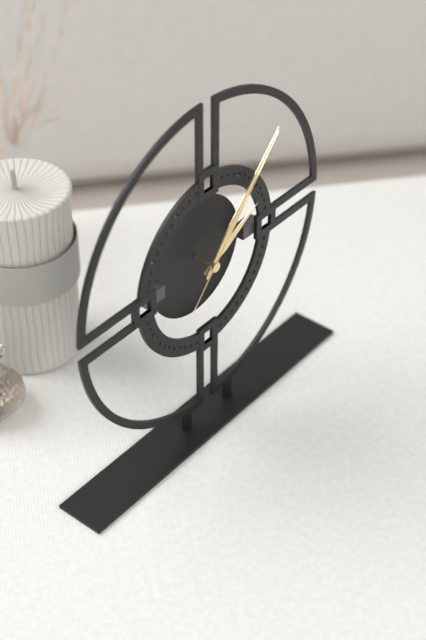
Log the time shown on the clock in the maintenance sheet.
2:07:07
